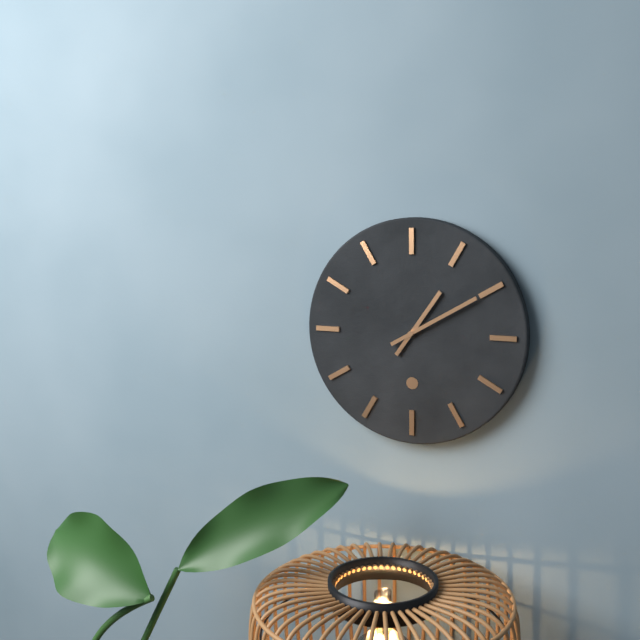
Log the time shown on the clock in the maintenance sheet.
1:10
